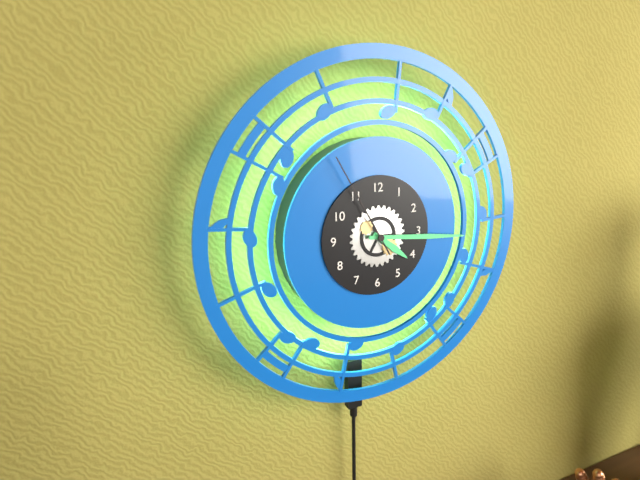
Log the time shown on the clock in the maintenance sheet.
4:16:55
